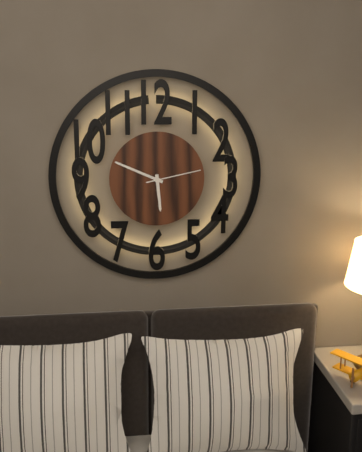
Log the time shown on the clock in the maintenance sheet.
5:49:13
